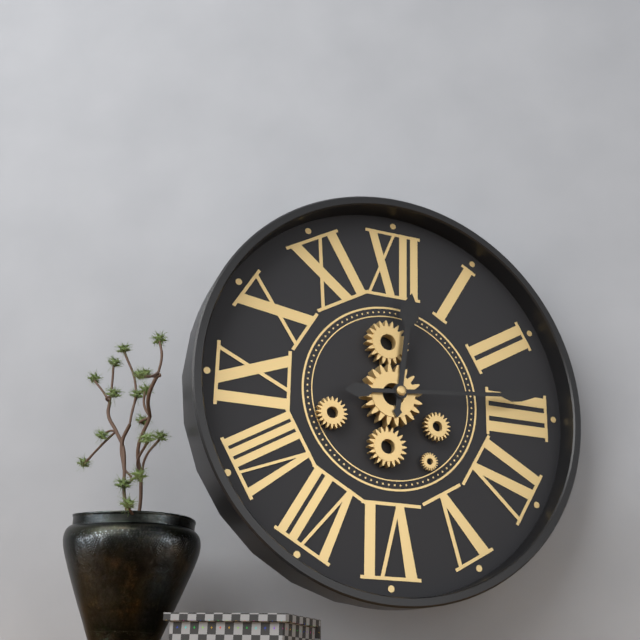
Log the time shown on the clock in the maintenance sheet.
12:14
